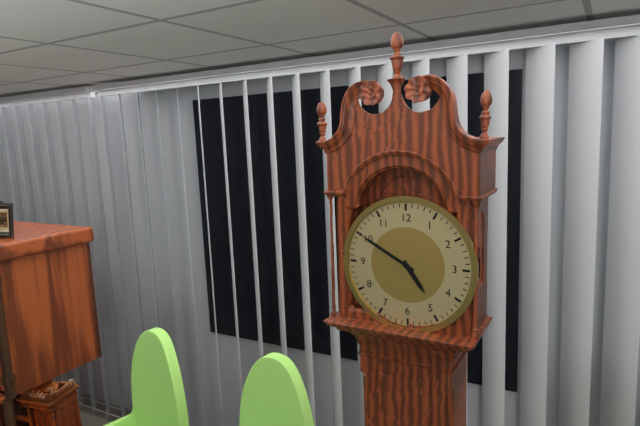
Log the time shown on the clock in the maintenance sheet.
4:50
